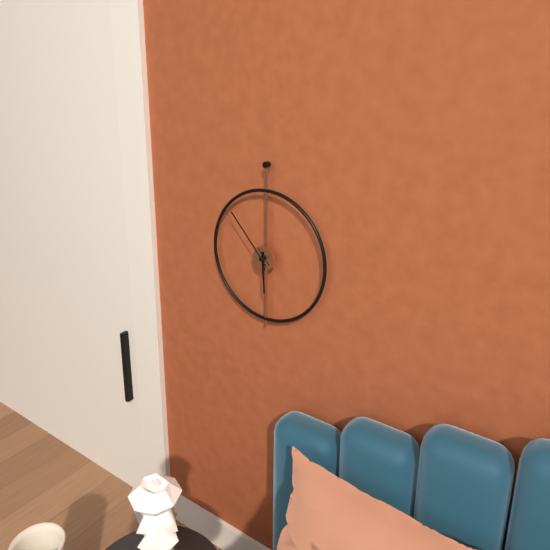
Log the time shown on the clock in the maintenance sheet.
5:53
